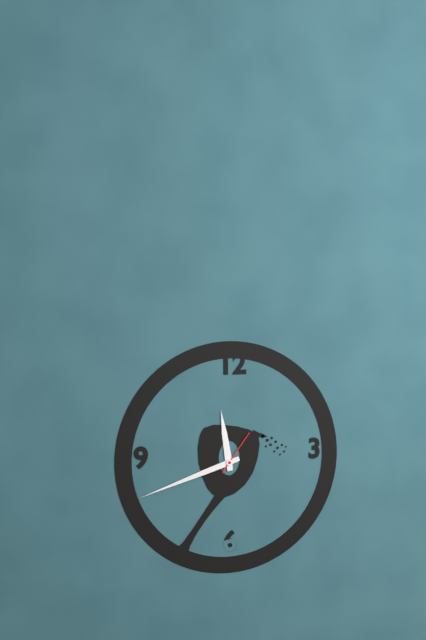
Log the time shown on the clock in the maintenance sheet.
11:42
